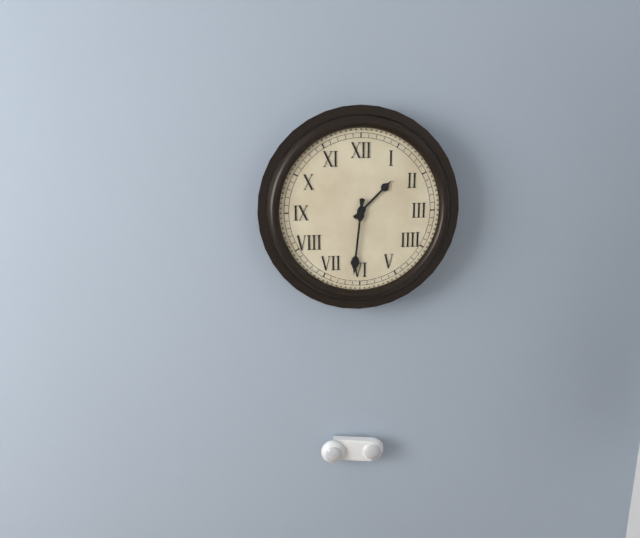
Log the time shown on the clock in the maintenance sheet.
1:31
